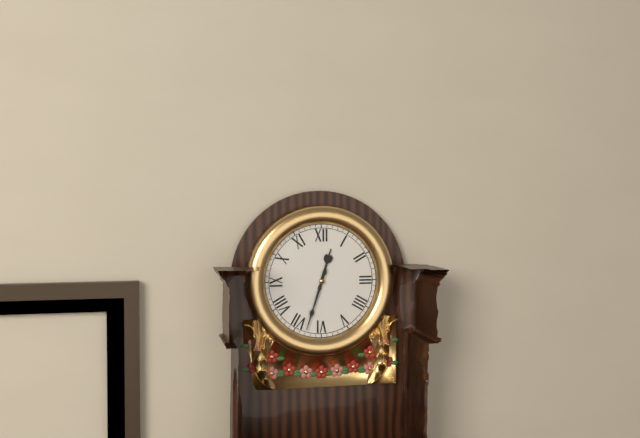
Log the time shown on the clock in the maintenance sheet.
12:33
